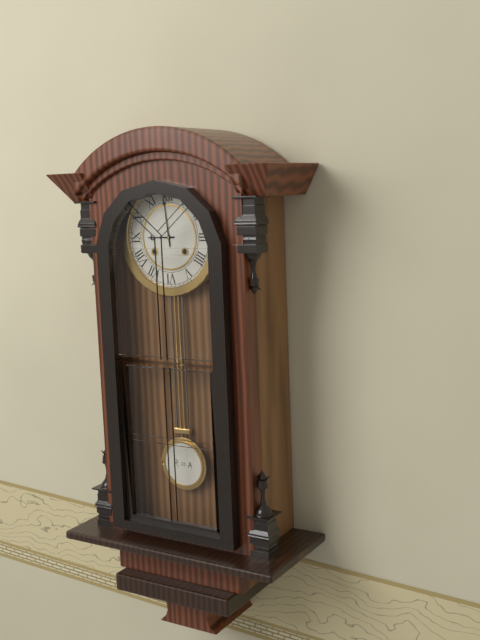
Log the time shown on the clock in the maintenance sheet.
8:59
